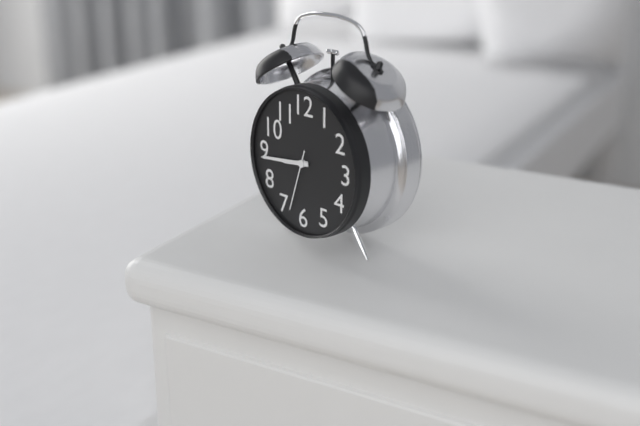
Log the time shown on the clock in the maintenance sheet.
8:44:33
